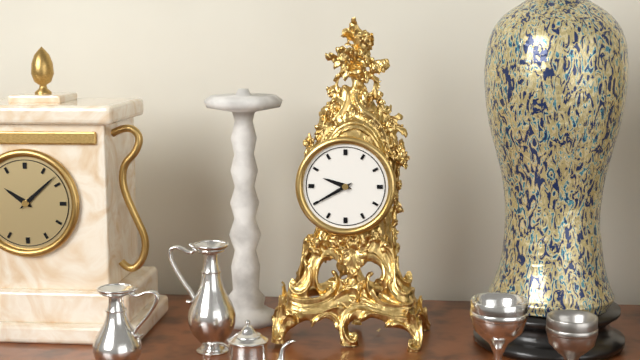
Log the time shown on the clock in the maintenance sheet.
9:40
